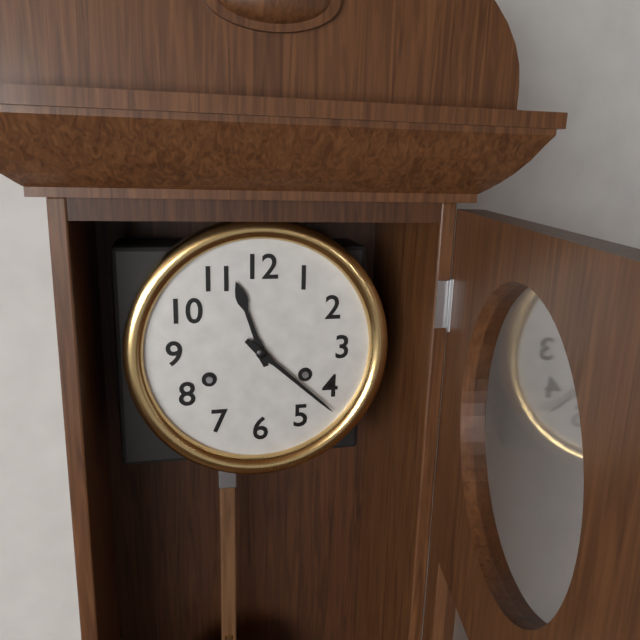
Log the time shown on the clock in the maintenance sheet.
11:22
